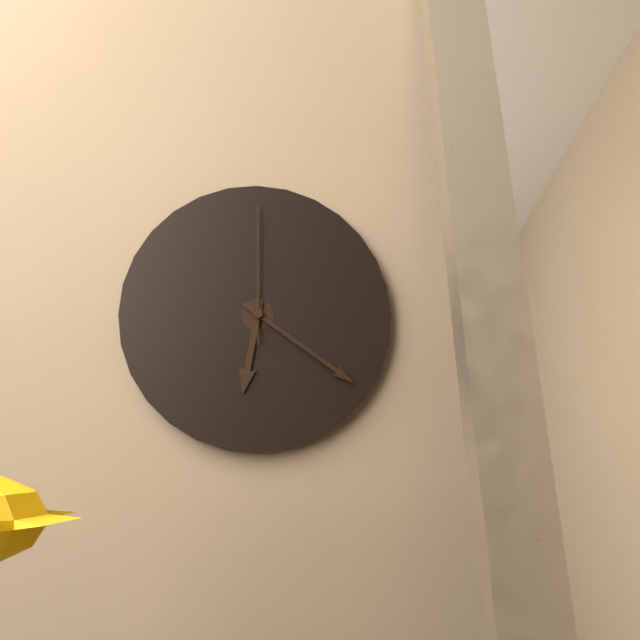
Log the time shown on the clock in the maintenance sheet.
6:21:00
